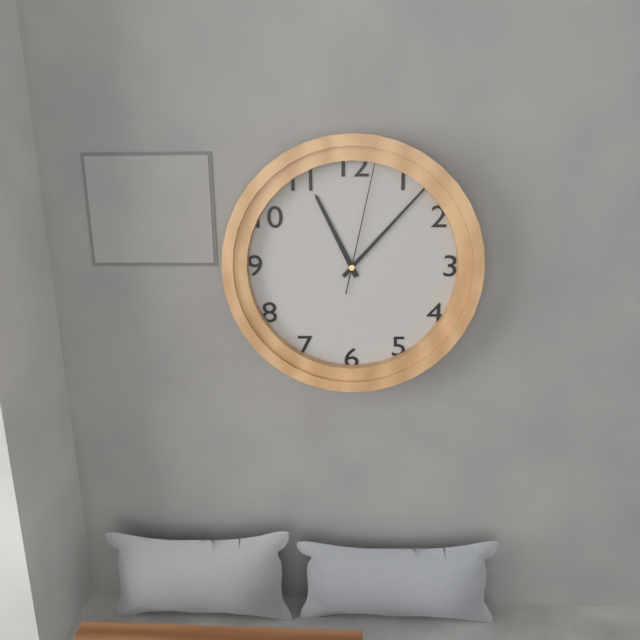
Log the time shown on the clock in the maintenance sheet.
11:07:02
